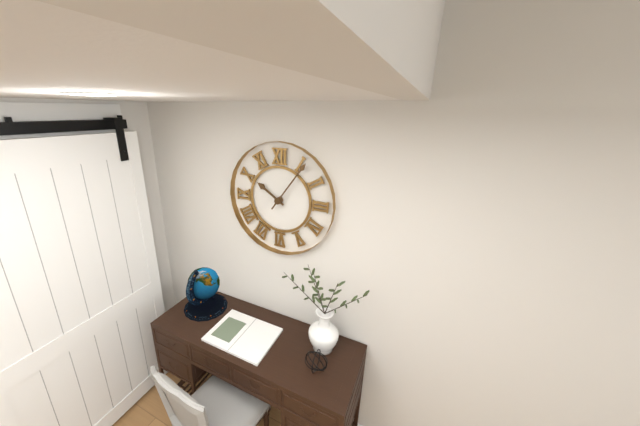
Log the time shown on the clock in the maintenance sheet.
10:06
